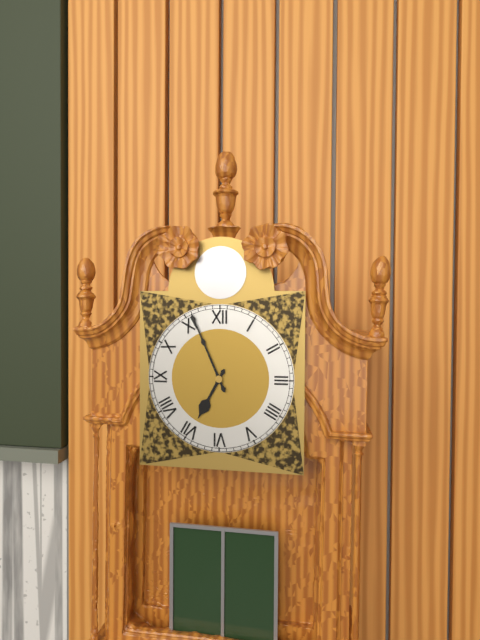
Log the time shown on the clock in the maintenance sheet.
6:56
